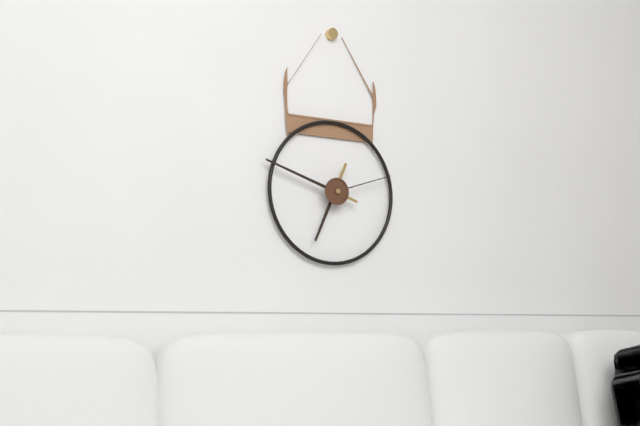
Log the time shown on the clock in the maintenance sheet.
6:48:12
